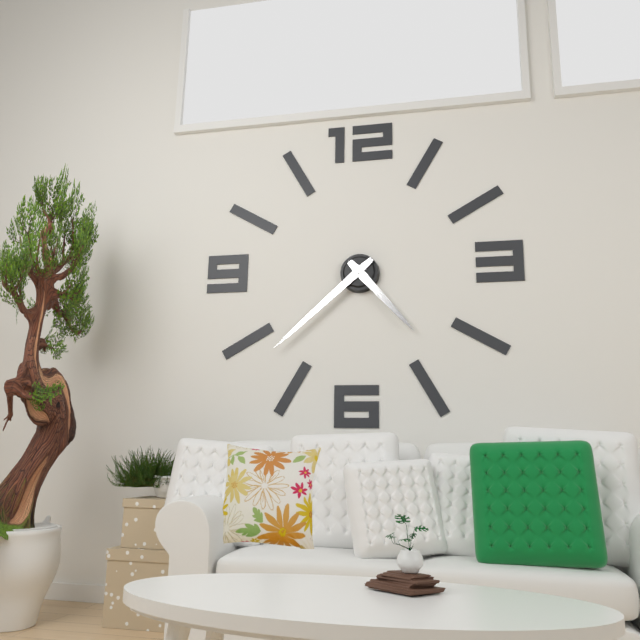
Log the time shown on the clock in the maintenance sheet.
4:38
